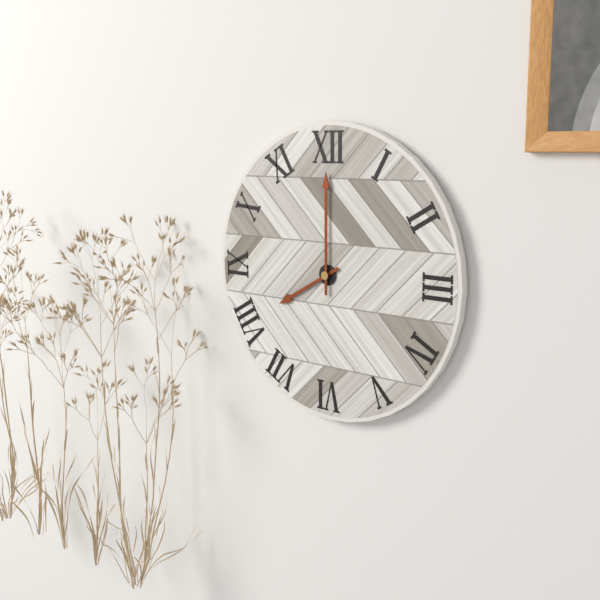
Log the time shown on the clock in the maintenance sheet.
8:00
